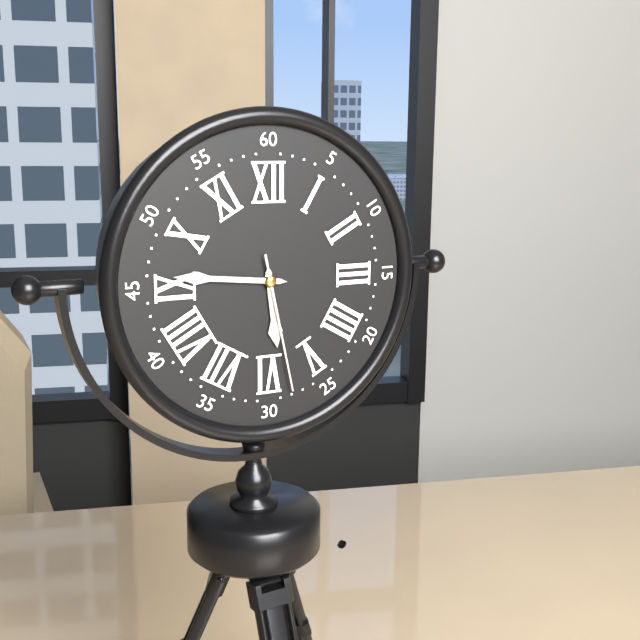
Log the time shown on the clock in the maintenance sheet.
5:46:28
